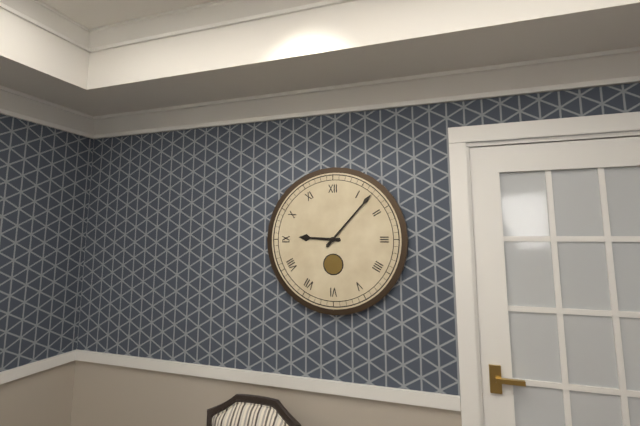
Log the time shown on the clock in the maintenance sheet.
9:07
